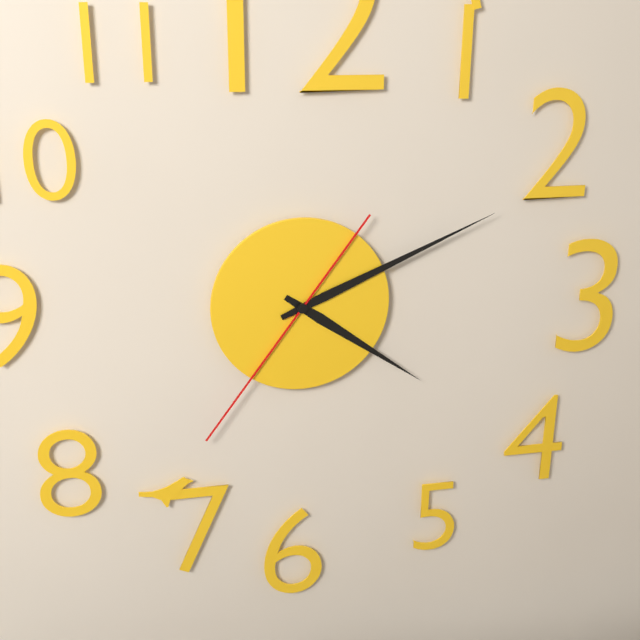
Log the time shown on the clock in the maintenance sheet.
4:11:36
